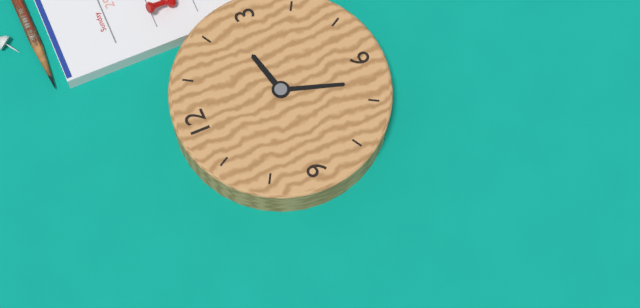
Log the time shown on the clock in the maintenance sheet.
2:33
